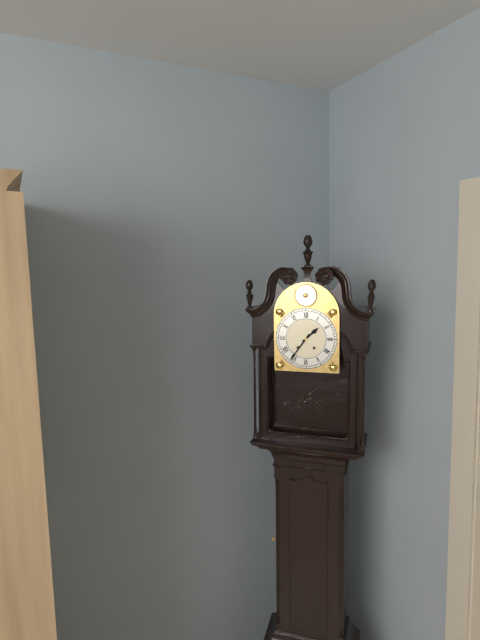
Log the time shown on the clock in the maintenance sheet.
1:36
